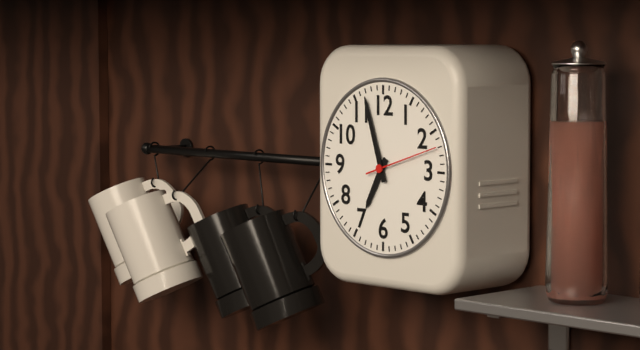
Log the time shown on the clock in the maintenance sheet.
6:57:12
